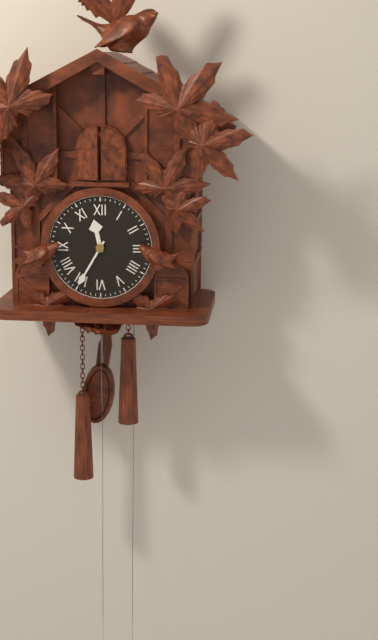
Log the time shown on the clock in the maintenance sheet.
11:35
